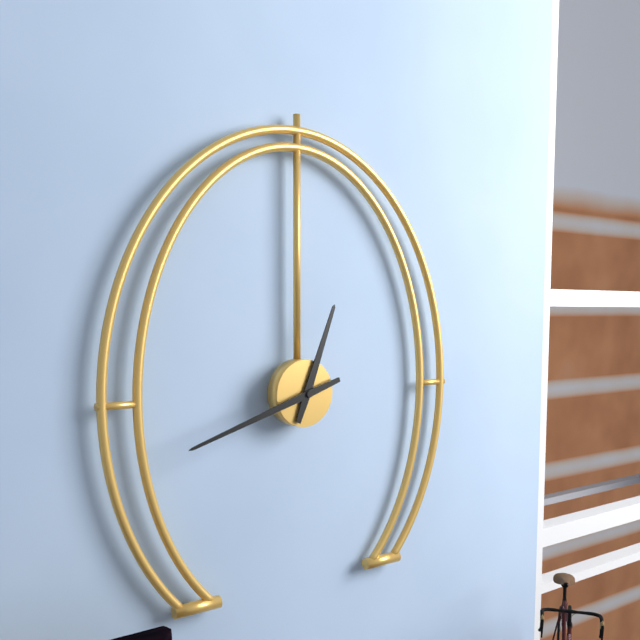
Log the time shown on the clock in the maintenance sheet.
12:42
